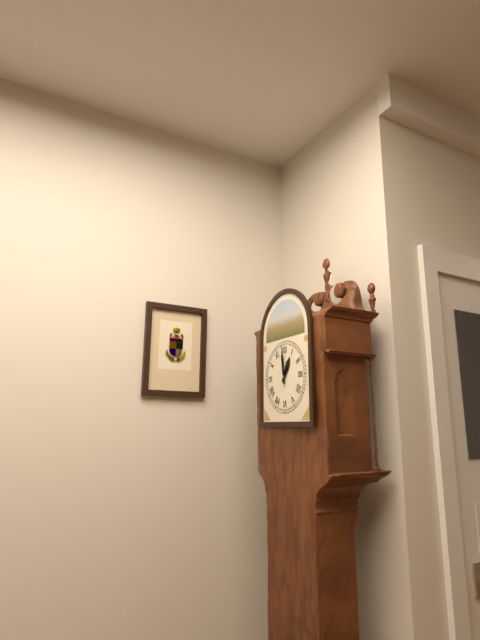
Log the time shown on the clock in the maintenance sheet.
12:59
